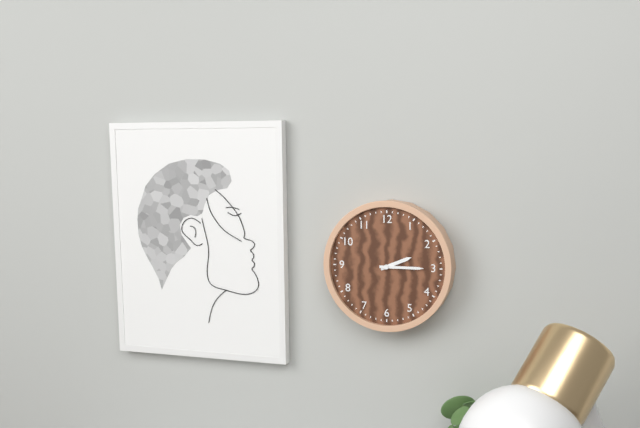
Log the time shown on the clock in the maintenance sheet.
2:15
